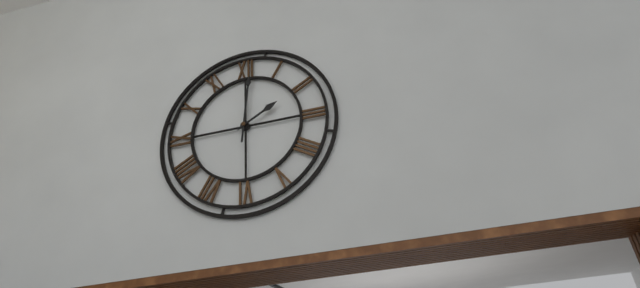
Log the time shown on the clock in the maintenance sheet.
2:01
